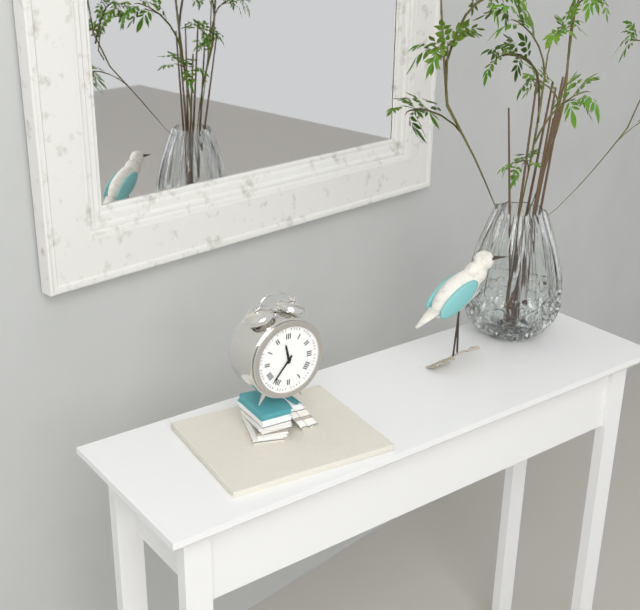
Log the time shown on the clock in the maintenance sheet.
11:37
